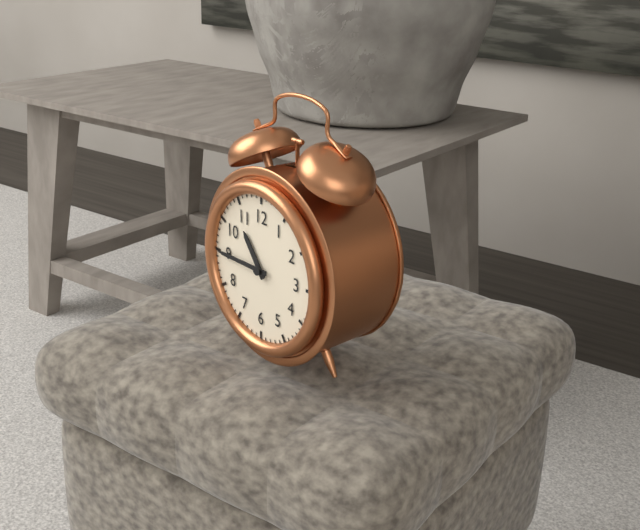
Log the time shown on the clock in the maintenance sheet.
10:45
